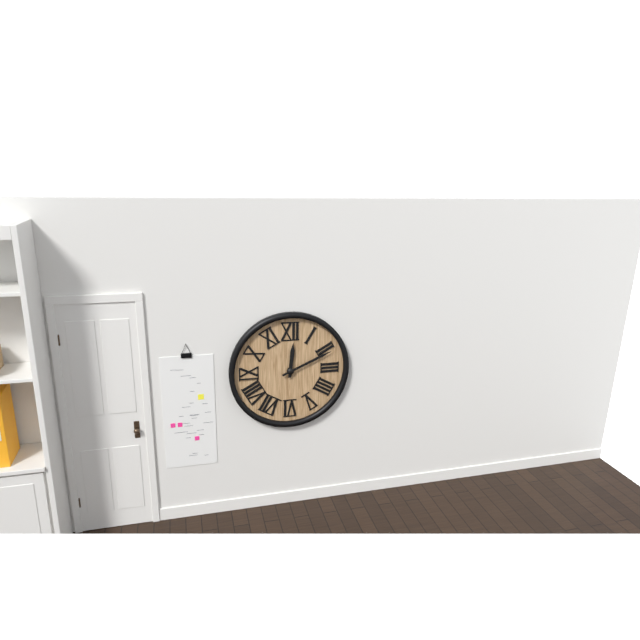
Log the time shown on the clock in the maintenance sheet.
12:11
